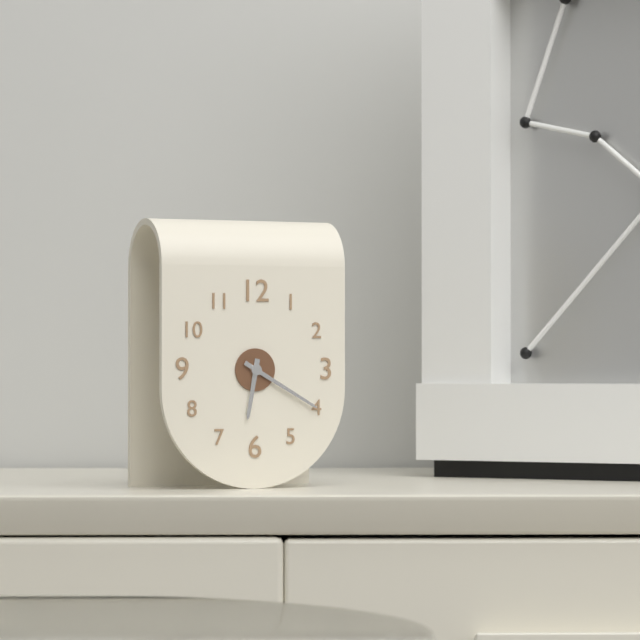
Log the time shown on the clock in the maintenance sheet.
6:20
